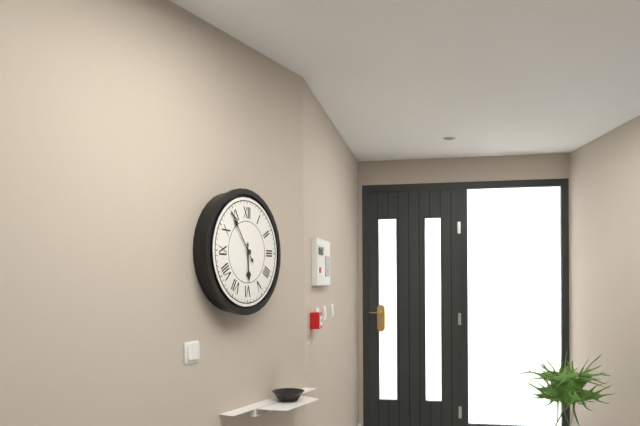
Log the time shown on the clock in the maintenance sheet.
5:54
